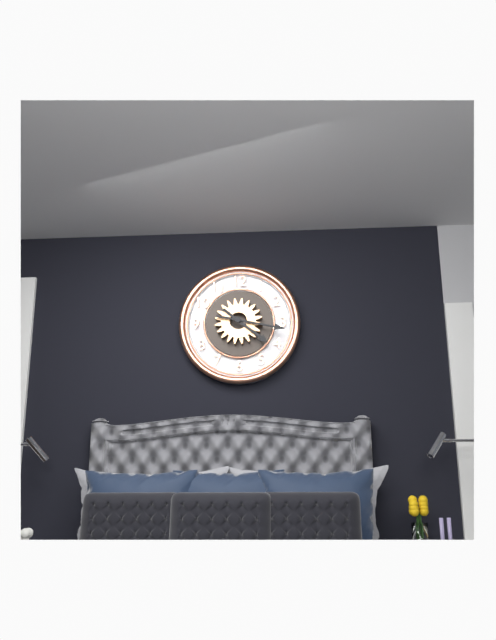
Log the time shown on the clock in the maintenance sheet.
4:17
